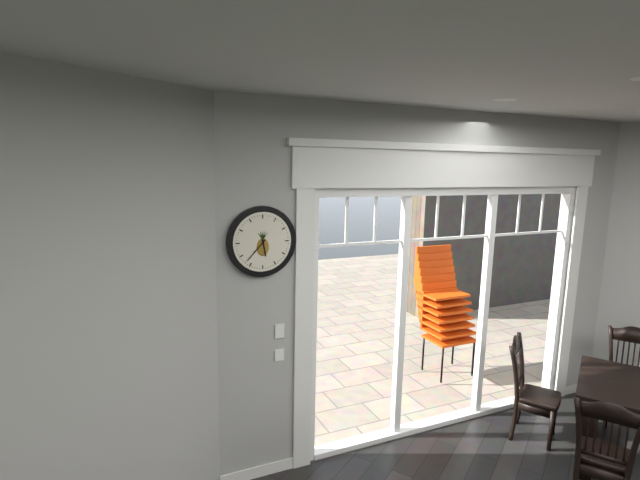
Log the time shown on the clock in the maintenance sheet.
5:37
